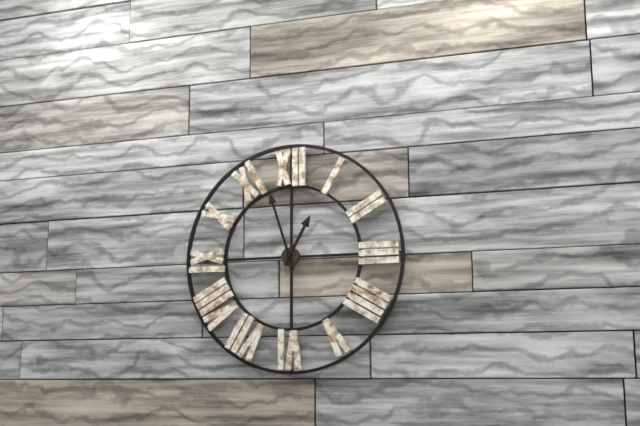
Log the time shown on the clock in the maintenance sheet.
12:57
